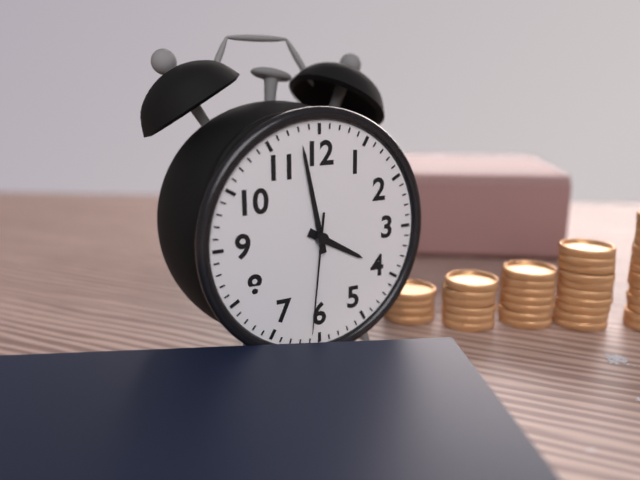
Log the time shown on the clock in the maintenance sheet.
3:58:31
